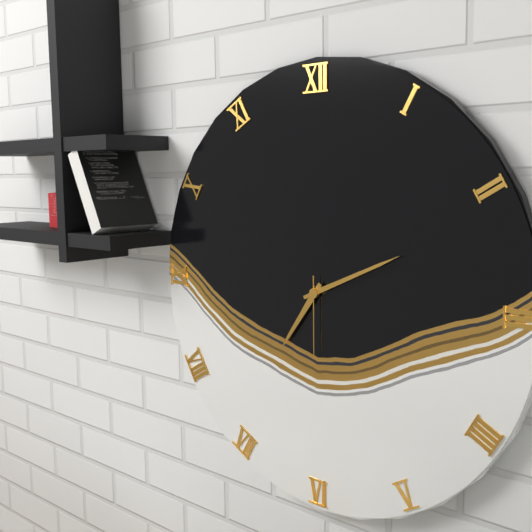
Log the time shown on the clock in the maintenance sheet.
7:11:30
